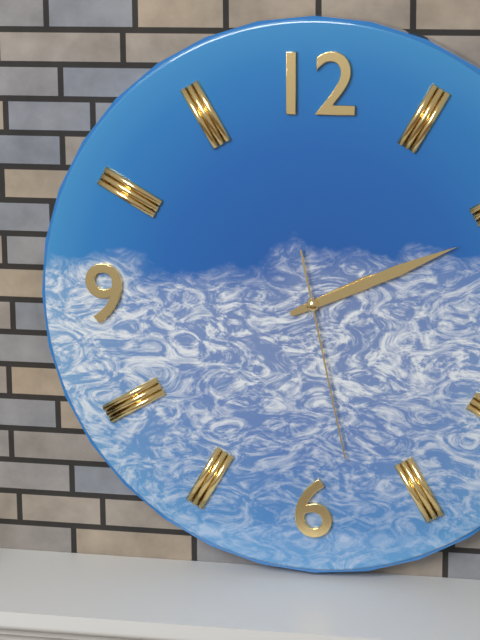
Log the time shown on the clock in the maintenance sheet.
2:11:28
